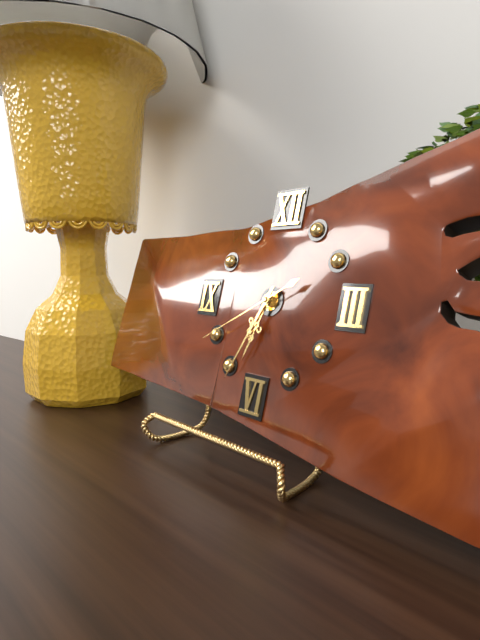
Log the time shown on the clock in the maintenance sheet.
6:34:40
